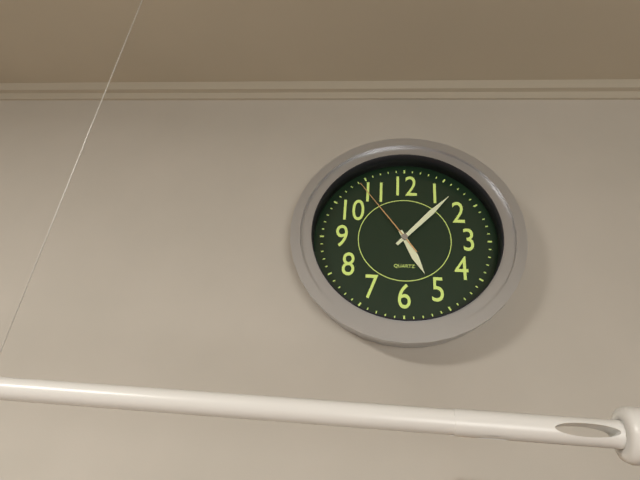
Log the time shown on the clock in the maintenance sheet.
5:07:54
